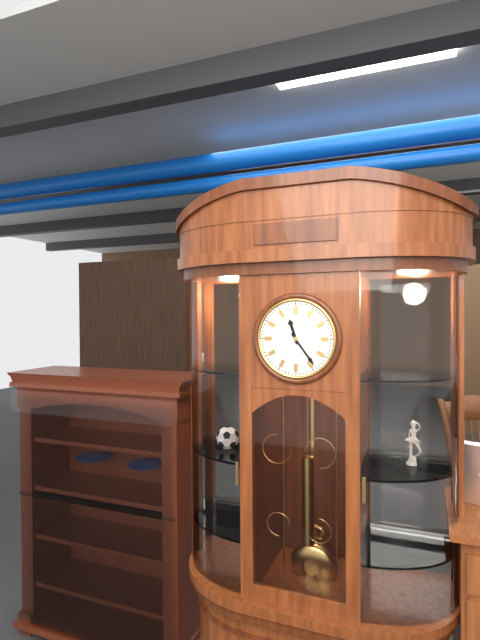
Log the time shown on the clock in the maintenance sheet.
11:24
